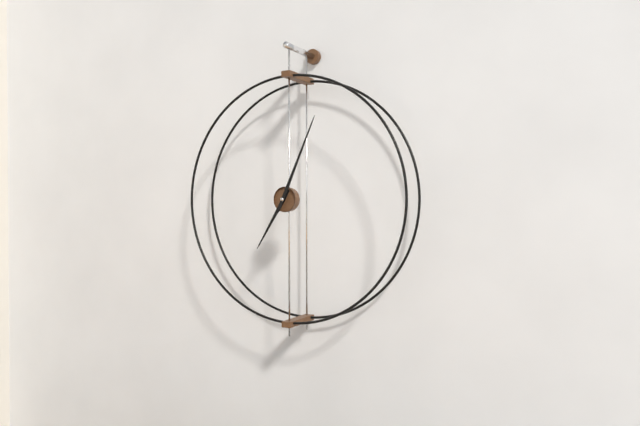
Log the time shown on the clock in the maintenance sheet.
7:04
